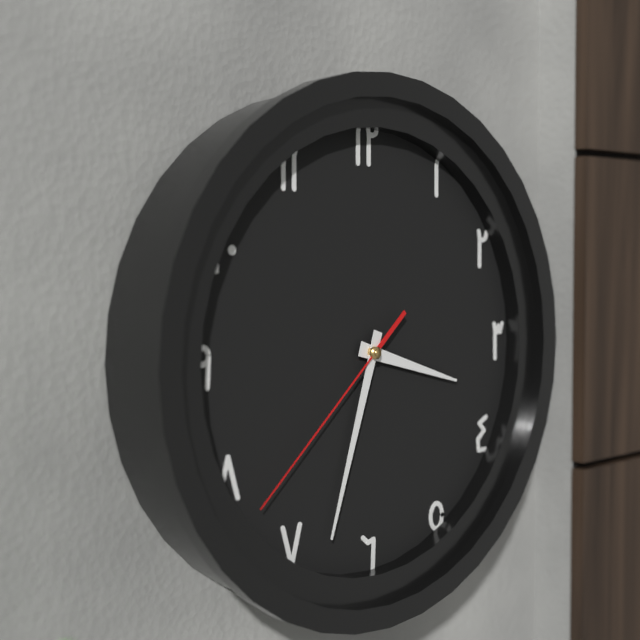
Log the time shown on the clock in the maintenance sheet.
3:33:38
